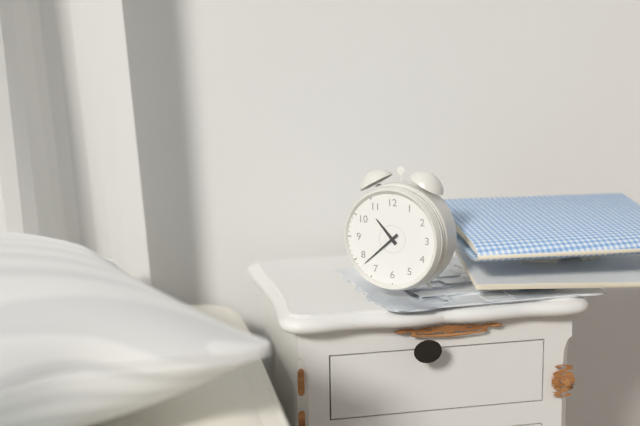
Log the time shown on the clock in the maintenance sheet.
10:38
